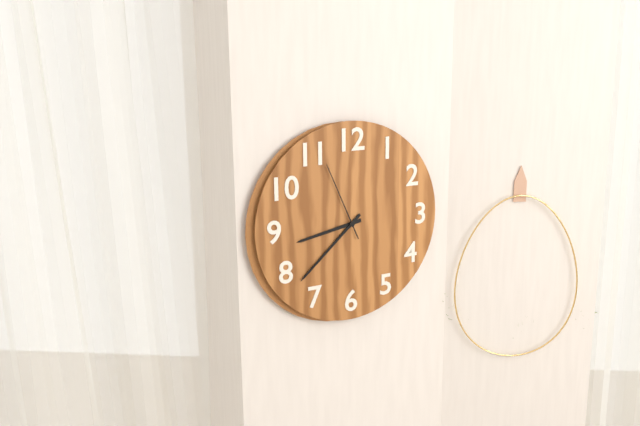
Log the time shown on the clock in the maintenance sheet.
8:38:56
